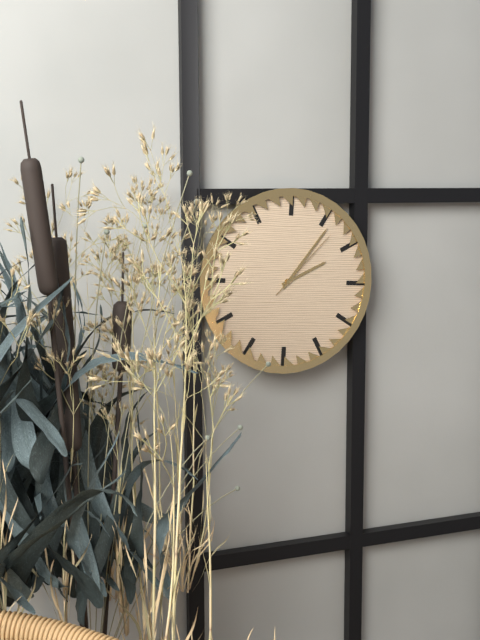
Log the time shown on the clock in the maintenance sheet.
2:06:07
